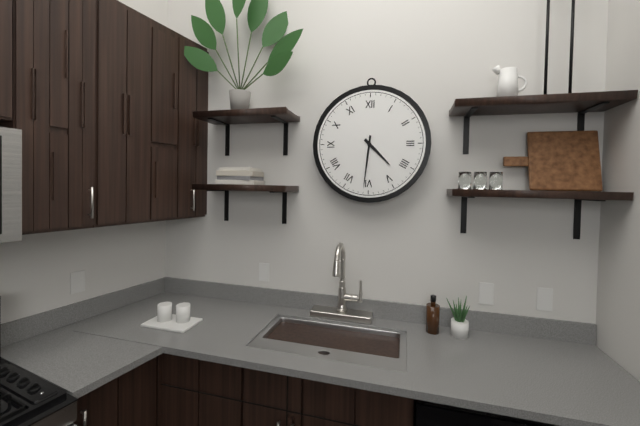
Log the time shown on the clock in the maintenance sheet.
4:31
